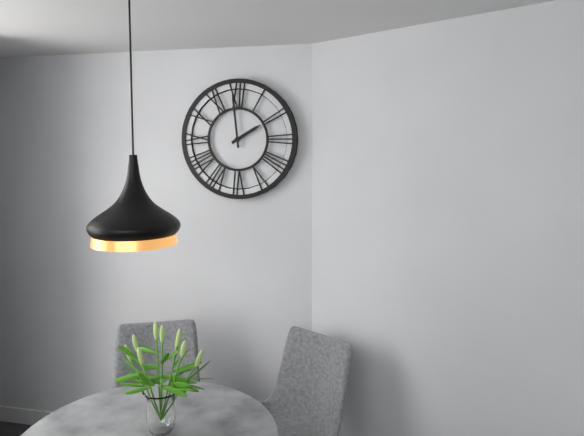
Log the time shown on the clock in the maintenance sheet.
1:59
